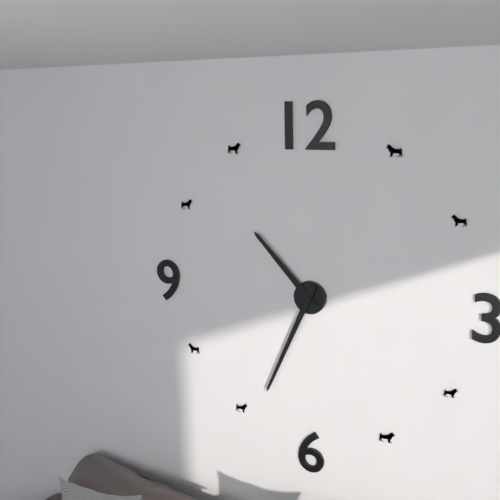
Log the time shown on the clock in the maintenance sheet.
10:34
